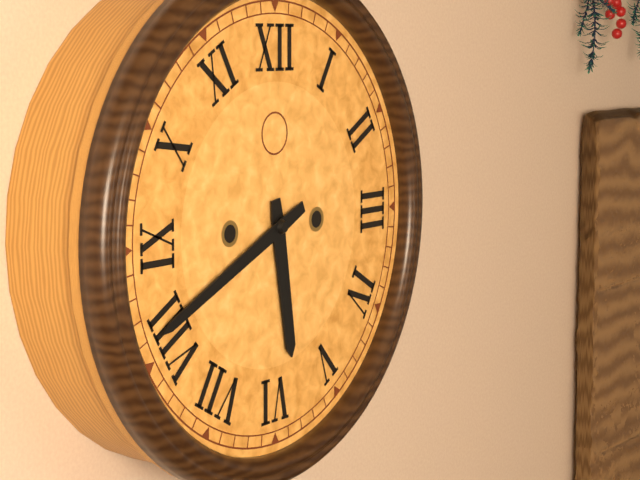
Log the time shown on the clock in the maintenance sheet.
5:41
